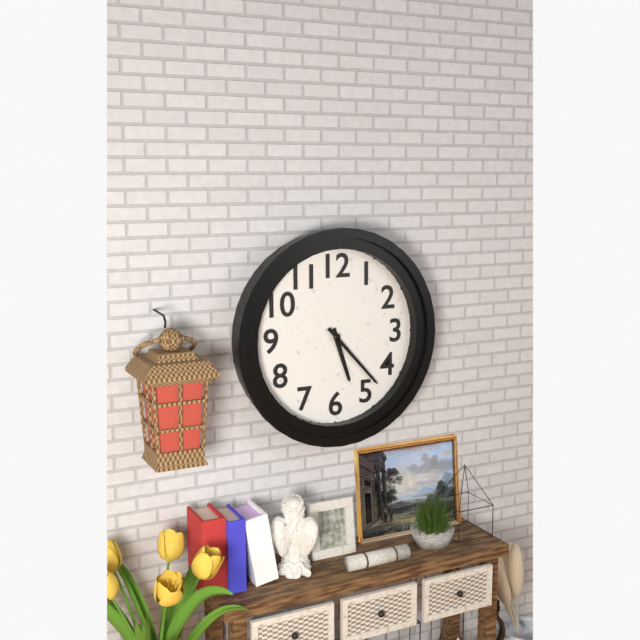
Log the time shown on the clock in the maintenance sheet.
5:23
